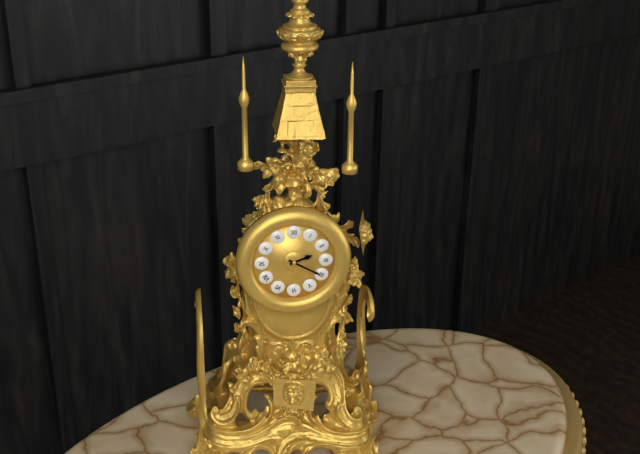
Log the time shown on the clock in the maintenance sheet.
2:20
